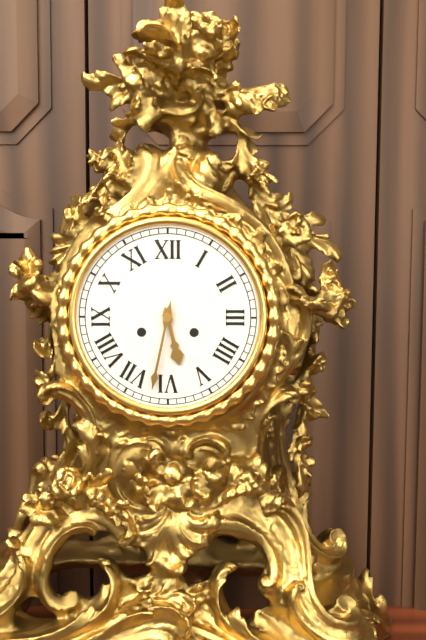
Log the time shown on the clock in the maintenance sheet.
5:32
